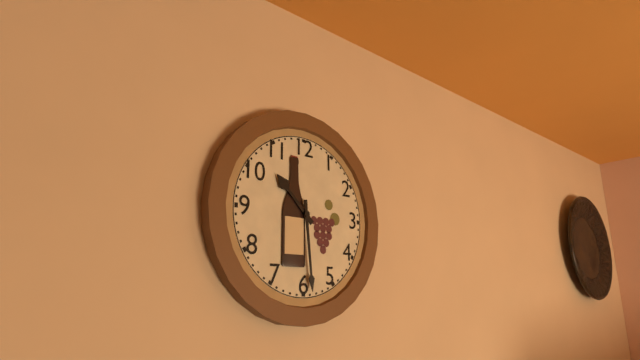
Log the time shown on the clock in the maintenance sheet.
10:29
